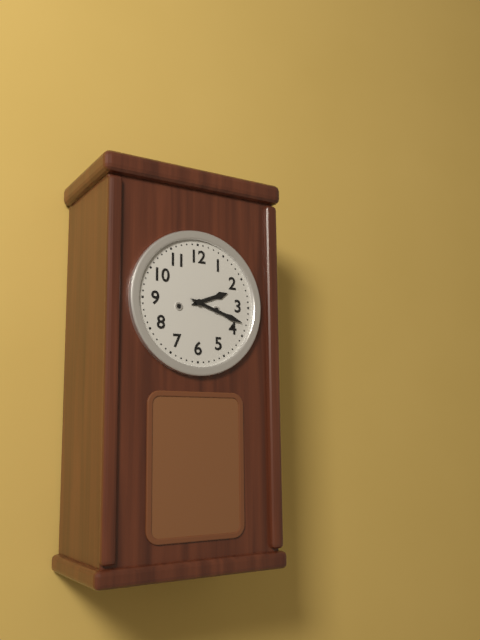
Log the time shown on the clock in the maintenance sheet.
2:18
